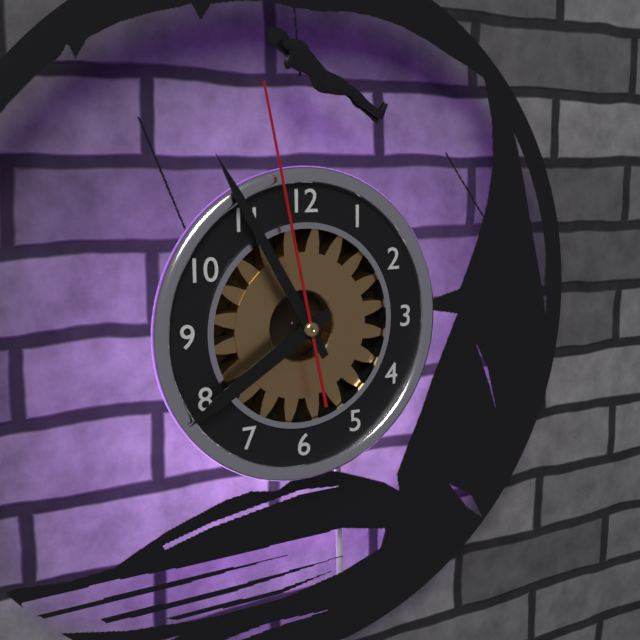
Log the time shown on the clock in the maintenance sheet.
7:55:58
